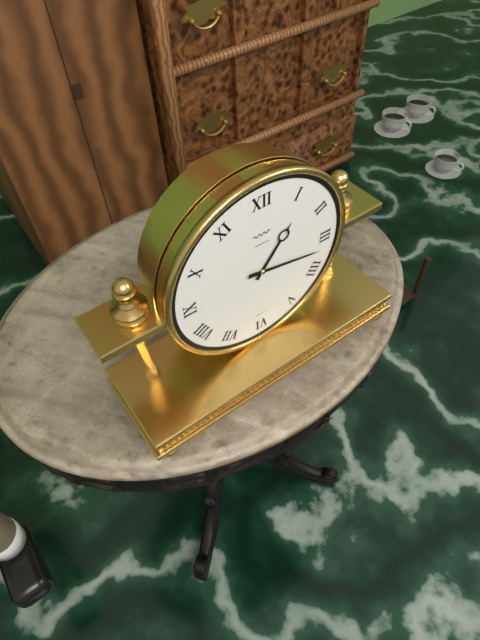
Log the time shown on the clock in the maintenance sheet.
1:17
